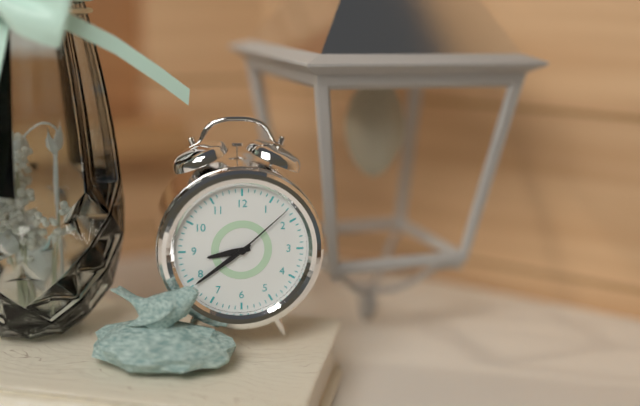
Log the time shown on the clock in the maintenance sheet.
8:39:08
